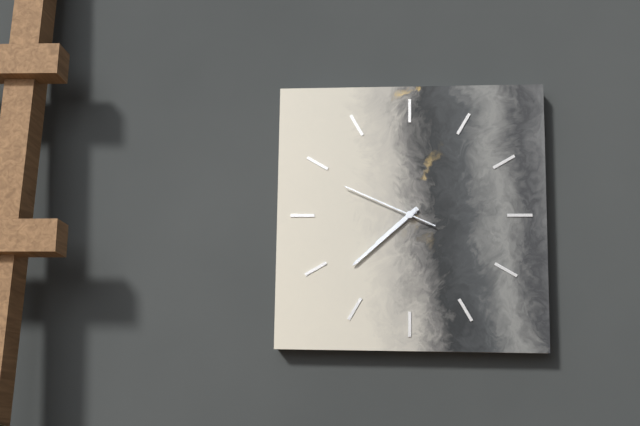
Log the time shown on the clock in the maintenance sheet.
7:38:49
